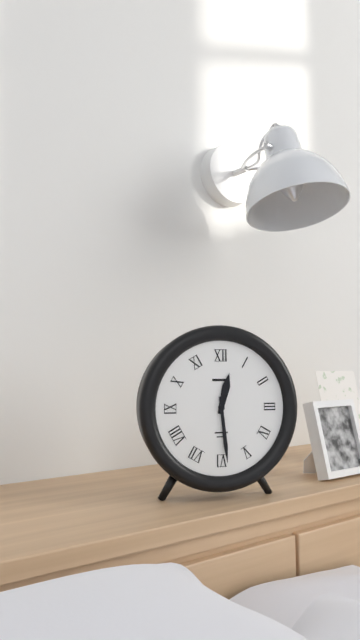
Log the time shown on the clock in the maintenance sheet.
12:29
